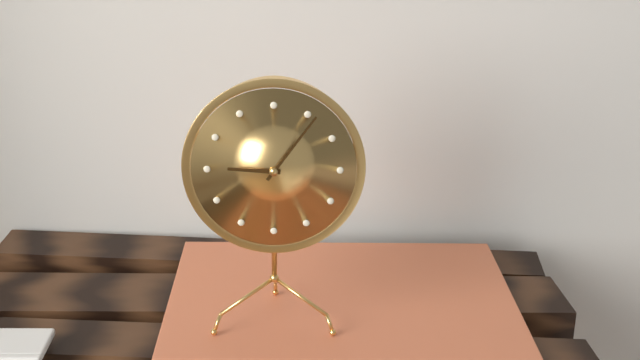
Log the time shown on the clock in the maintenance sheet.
9:06
